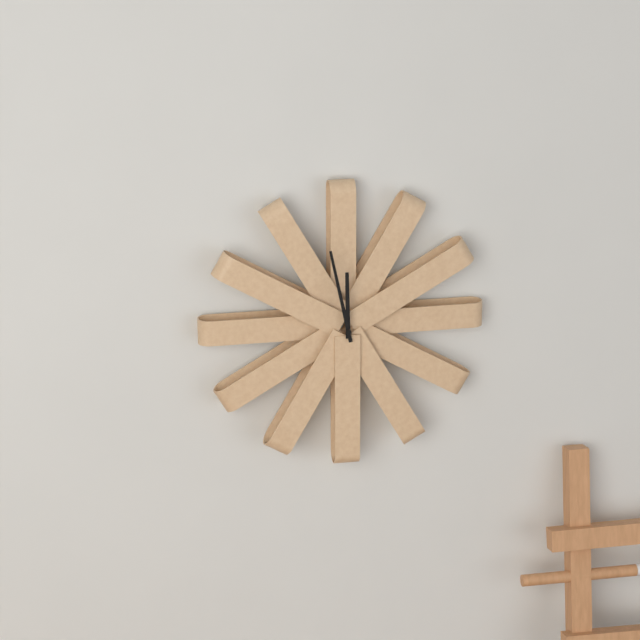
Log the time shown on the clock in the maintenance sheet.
11:58
